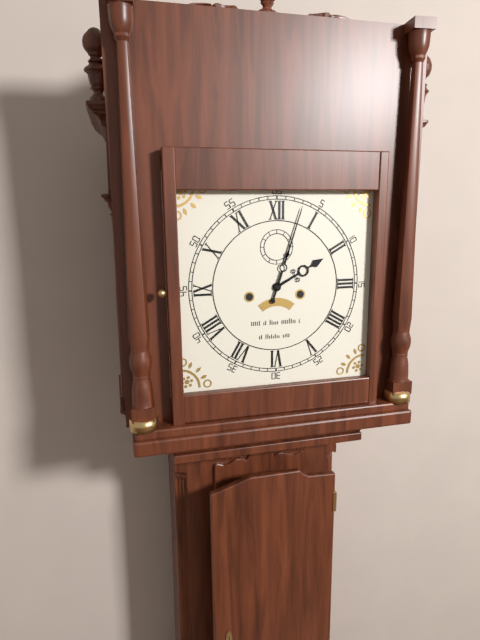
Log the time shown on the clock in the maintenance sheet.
2:03
